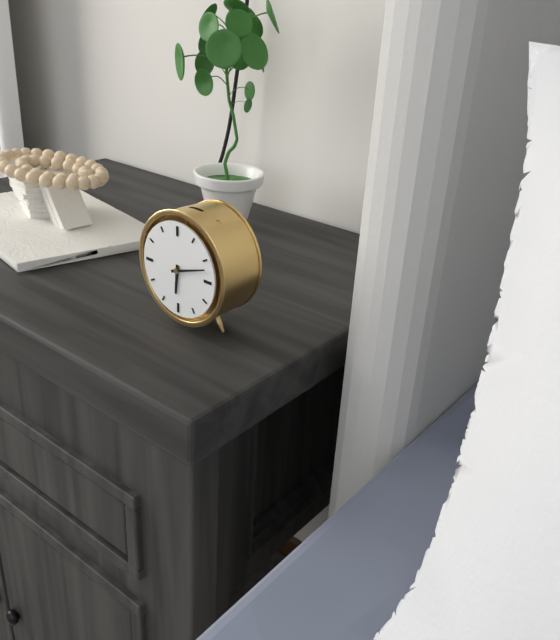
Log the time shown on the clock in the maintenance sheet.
6:12
